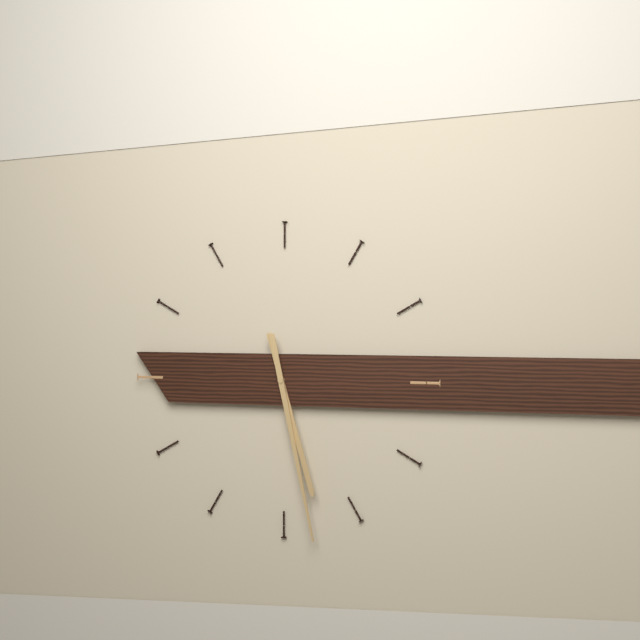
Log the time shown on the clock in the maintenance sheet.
5:28
